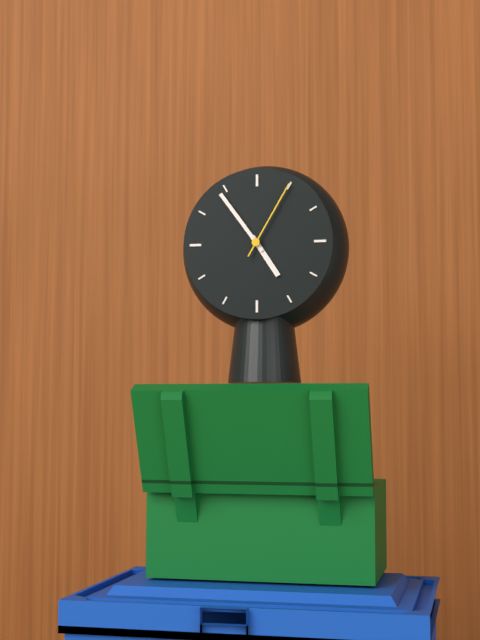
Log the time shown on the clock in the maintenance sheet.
4:54:05
